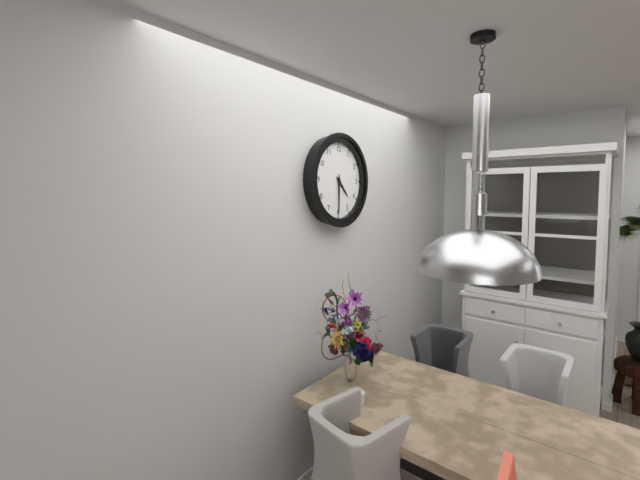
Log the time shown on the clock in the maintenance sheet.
4:30
